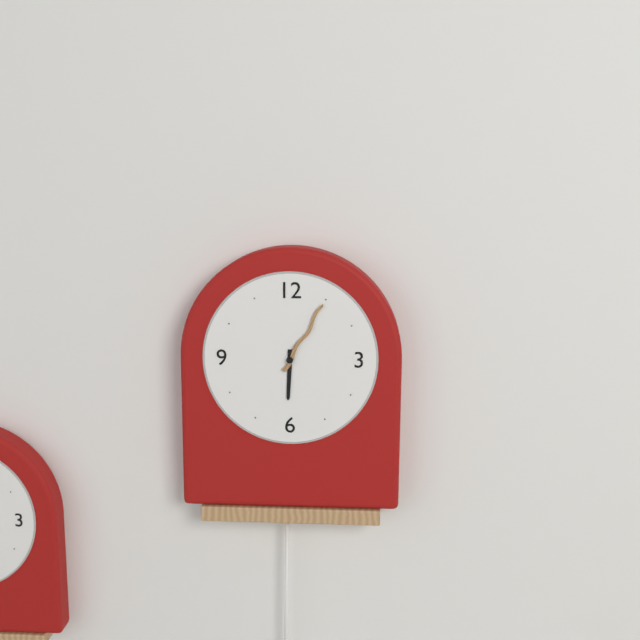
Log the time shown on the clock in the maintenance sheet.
6:05
